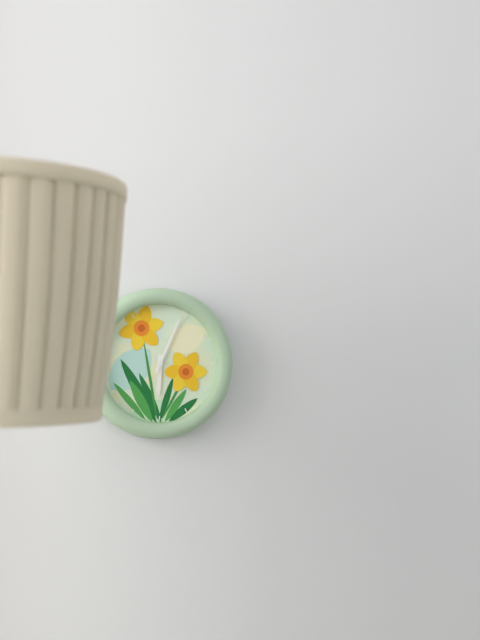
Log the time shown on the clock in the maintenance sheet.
6:04
